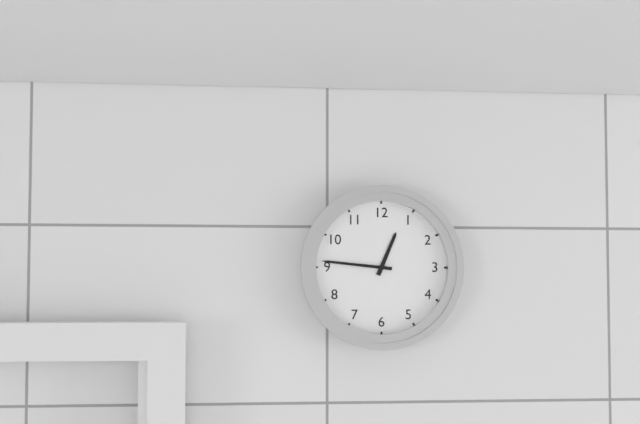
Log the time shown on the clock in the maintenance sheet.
12:46
